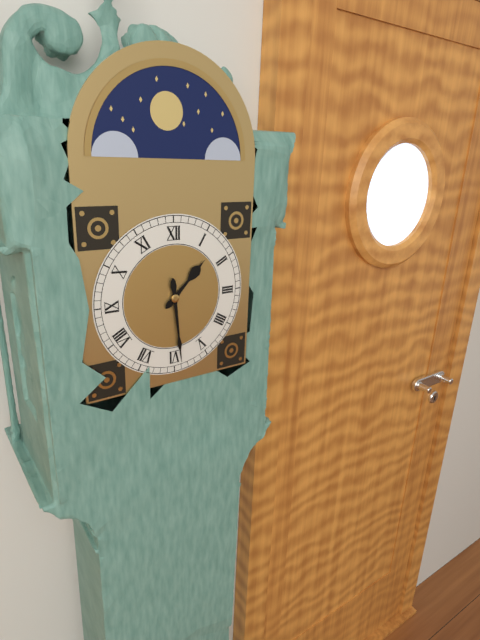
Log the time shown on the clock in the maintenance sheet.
1:29
